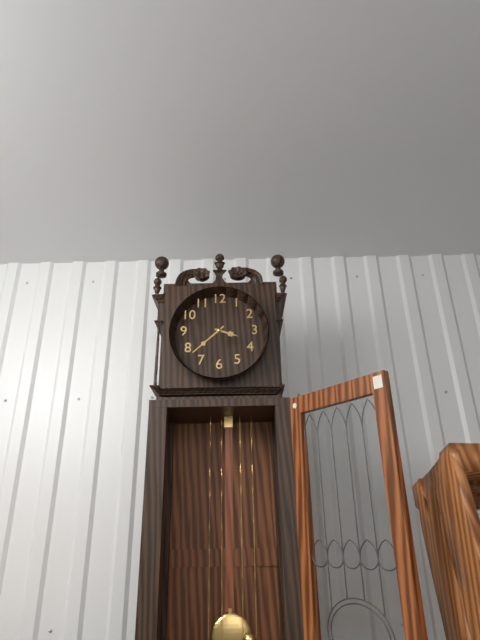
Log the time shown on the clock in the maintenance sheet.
3:38
